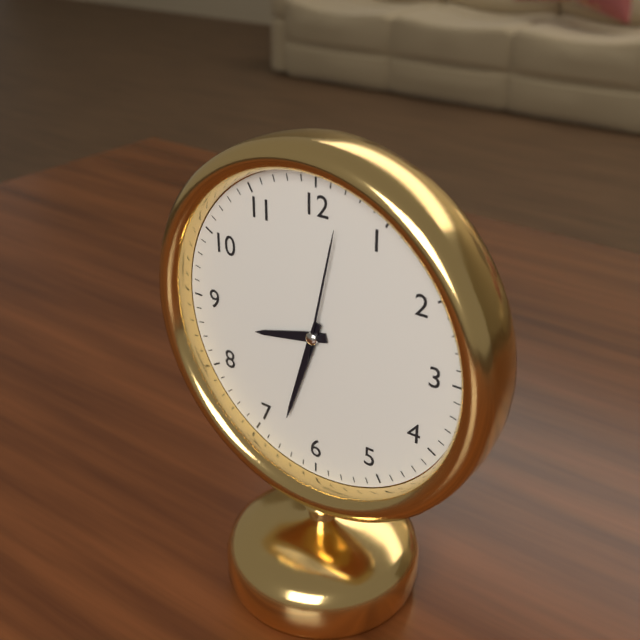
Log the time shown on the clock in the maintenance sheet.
8:33:02
